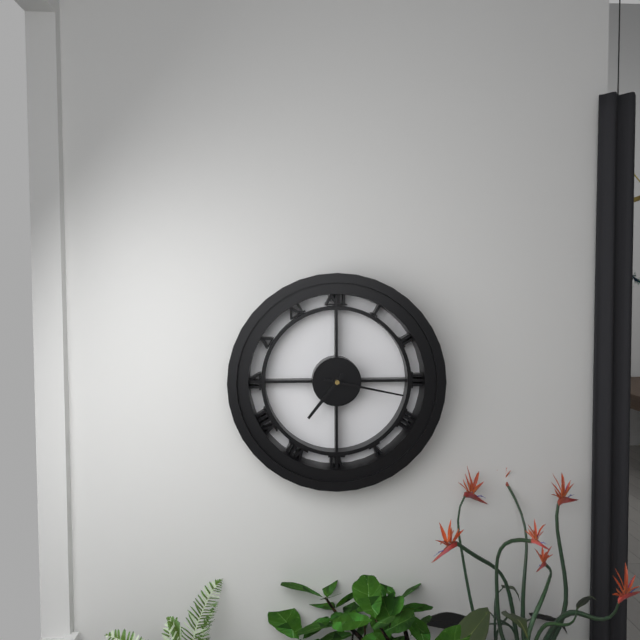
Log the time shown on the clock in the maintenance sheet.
7:17
